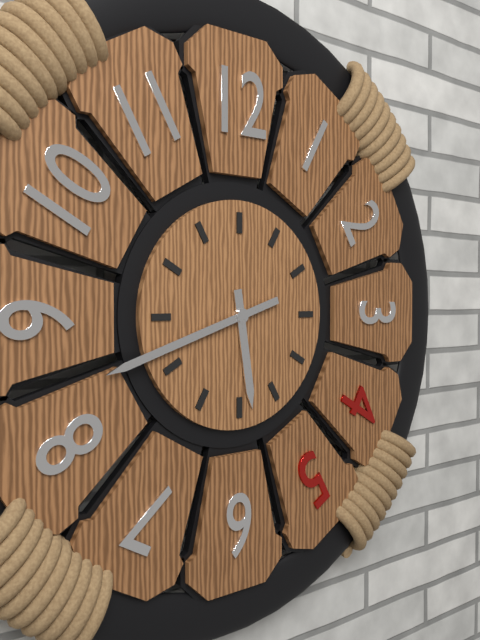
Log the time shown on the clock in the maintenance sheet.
5:42
